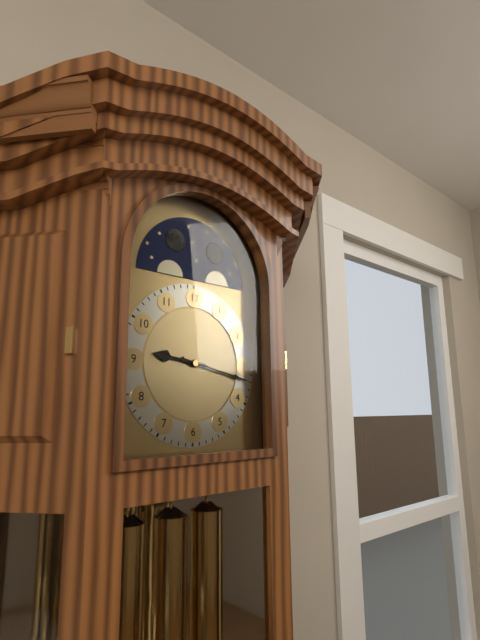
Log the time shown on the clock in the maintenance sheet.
9:17
